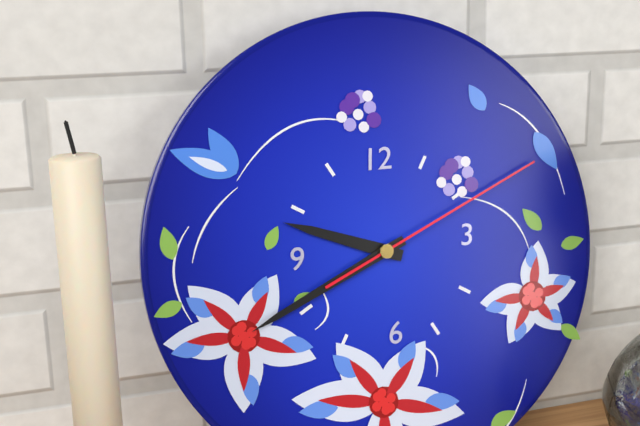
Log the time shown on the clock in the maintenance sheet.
9:41:11
